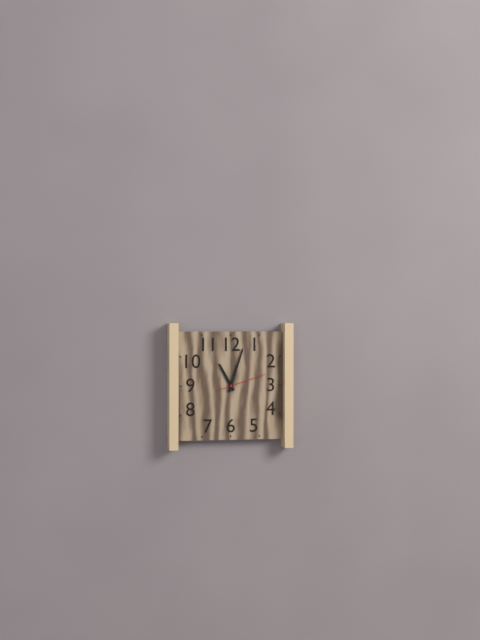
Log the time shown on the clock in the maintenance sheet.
11:03
